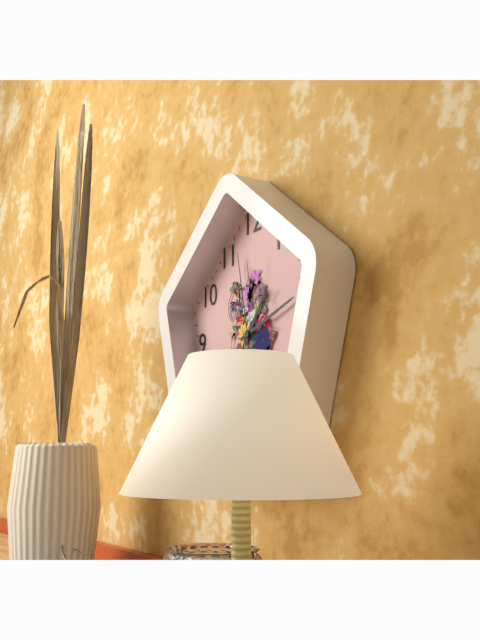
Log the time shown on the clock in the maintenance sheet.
1:12:58
